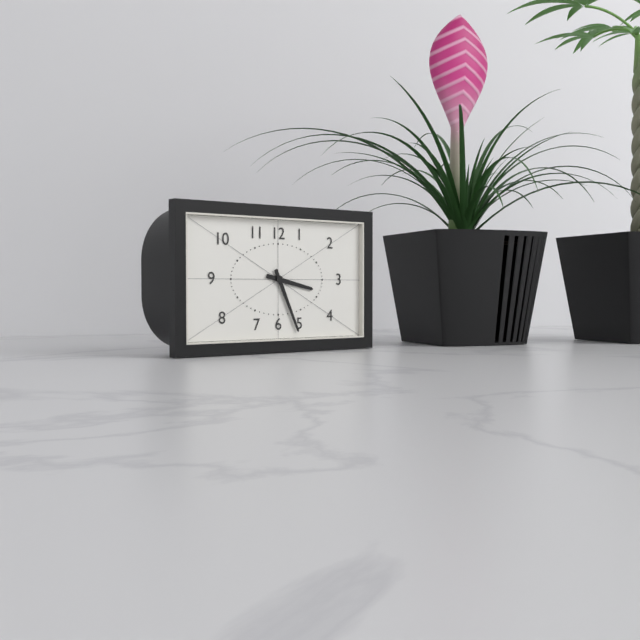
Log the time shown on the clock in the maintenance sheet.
3:26
